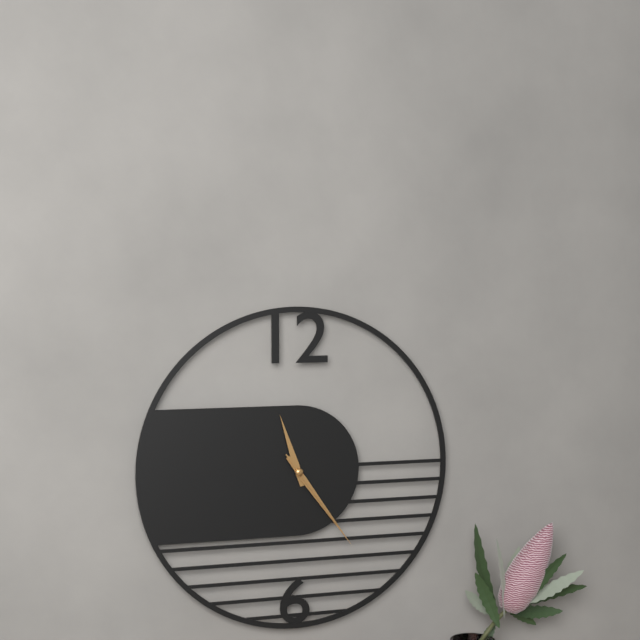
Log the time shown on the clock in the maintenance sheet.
11:24:24
